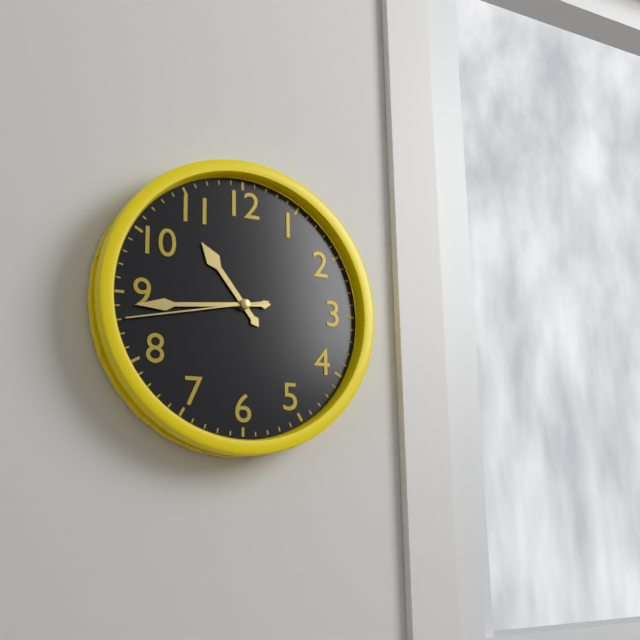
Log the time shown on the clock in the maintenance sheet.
10:44:43
